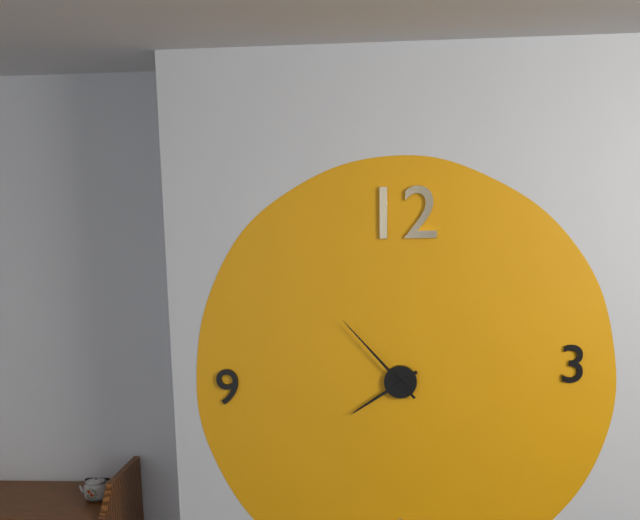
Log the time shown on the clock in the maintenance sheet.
7:53
